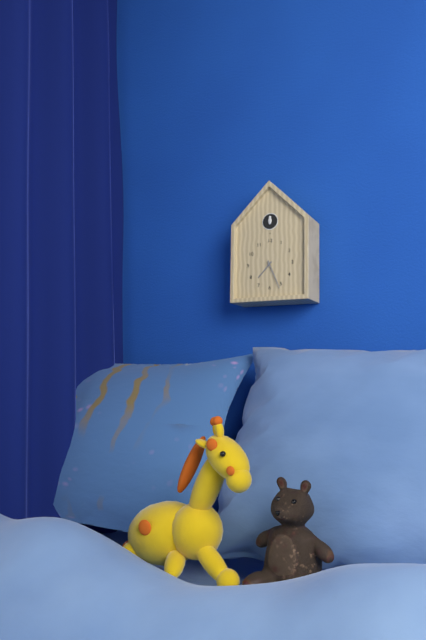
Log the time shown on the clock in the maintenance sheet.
7:26
